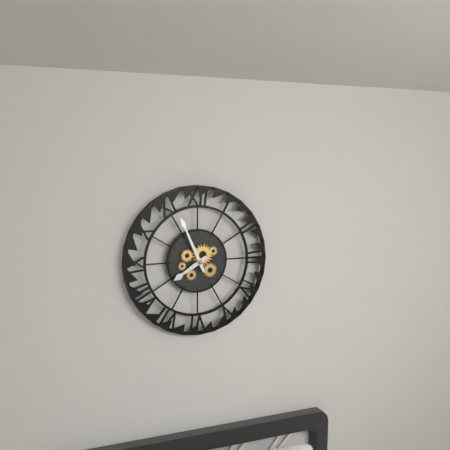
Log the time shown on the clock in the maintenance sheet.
7:56
